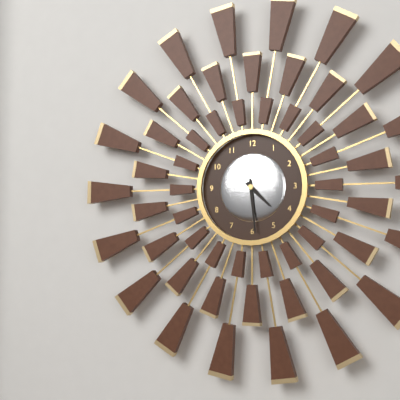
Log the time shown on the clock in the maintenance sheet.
4:29
